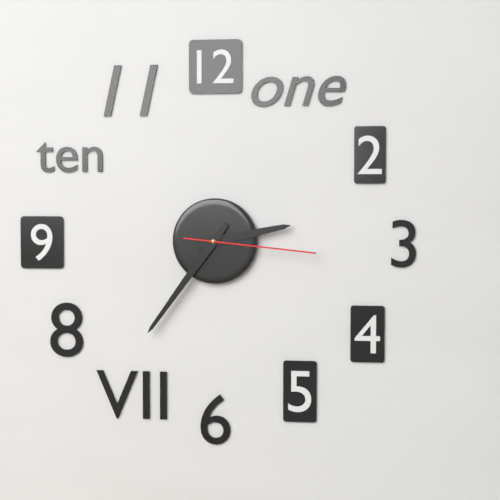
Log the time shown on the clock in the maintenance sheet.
2:36:16
